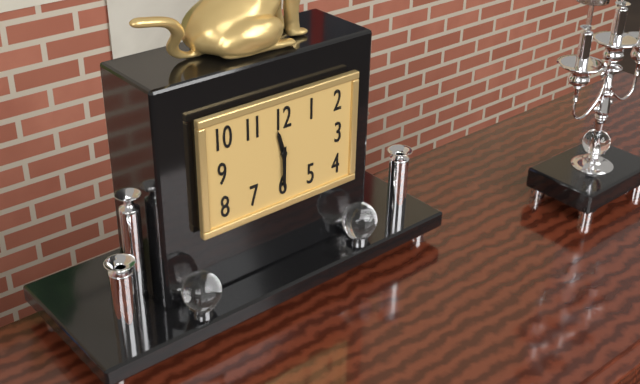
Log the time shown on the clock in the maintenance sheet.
11:30
